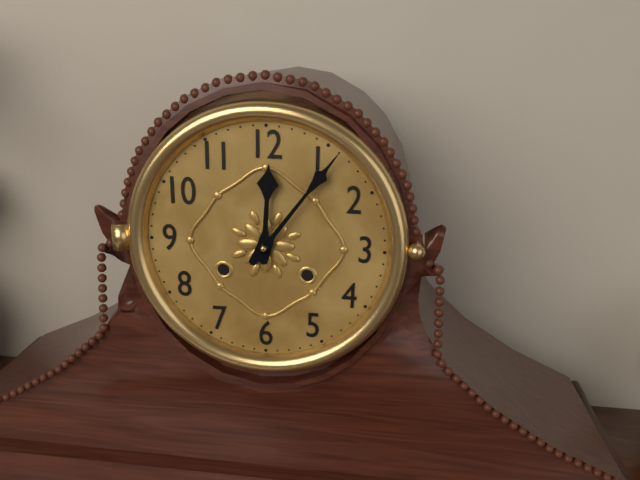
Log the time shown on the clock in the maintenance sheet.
12:06
